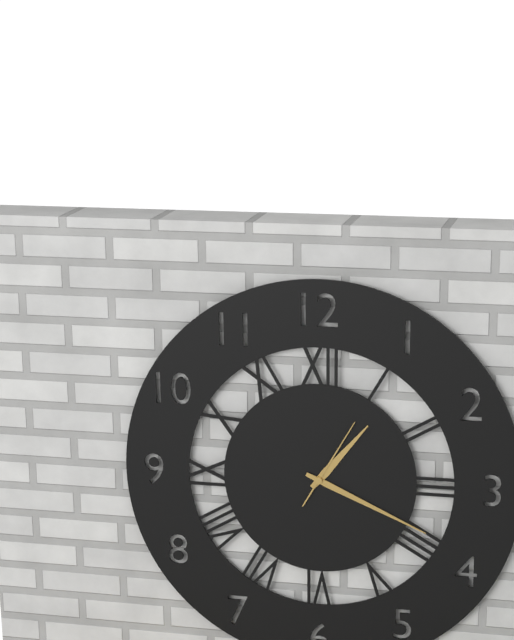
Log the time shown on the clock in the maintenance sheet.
1:19:05
